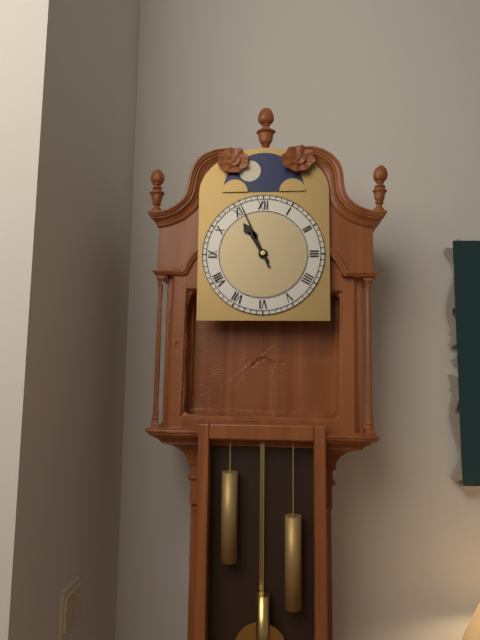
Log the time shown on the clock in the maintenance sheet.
10:56
